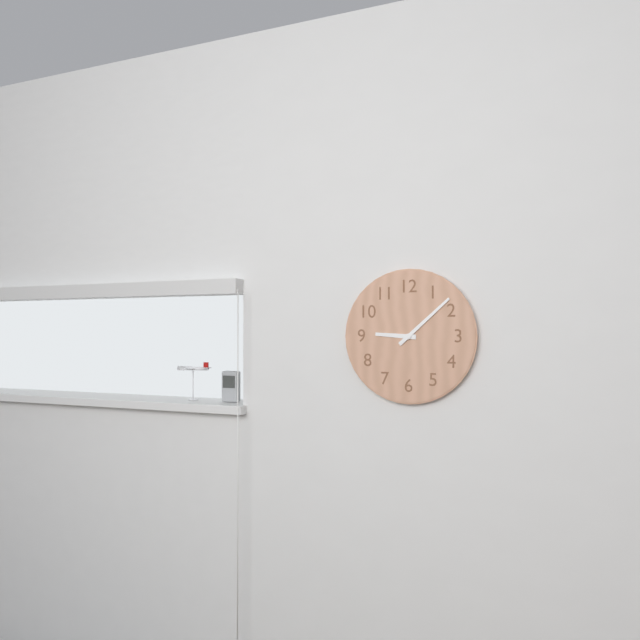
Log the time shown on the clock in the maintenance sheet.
9:08
